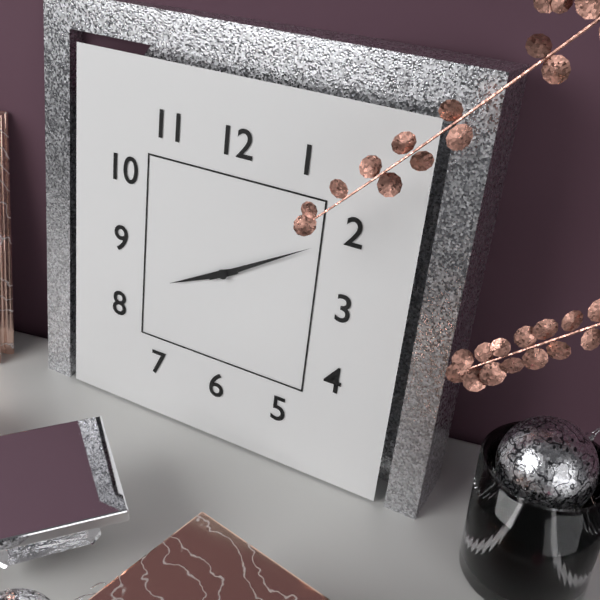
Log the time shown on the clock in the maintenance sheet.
8:10
